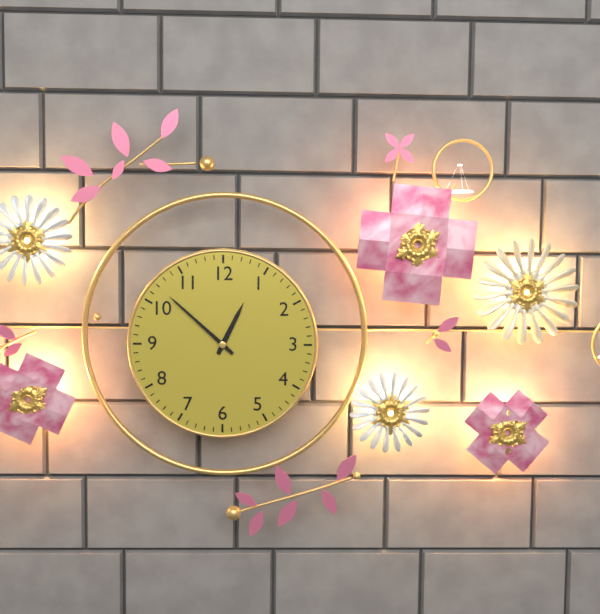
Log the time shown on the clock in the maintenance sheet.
12:52
